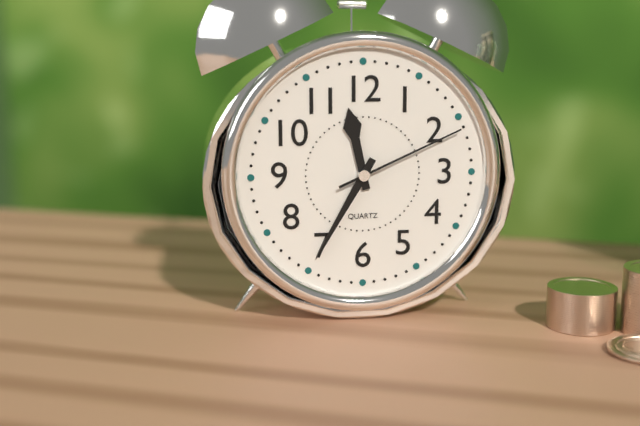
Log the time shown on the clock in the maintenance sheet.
11:35:11
